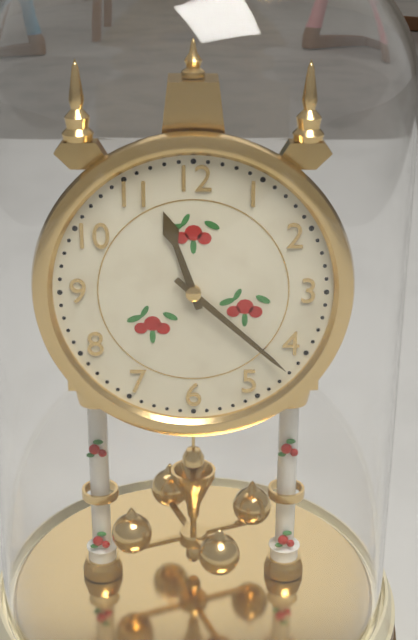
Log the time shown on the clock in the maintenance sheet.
11:22
